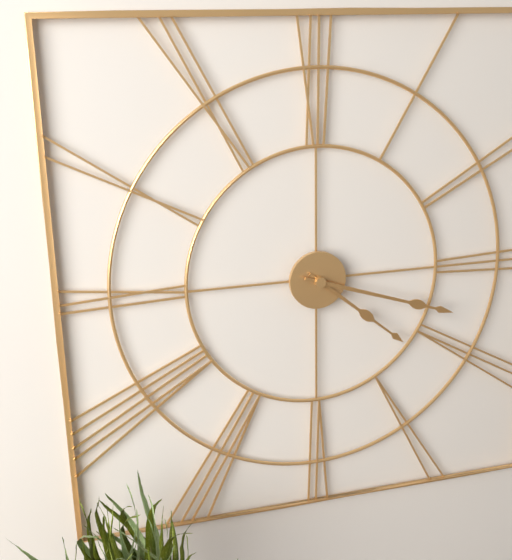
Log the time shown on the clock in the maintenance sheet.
4:18
